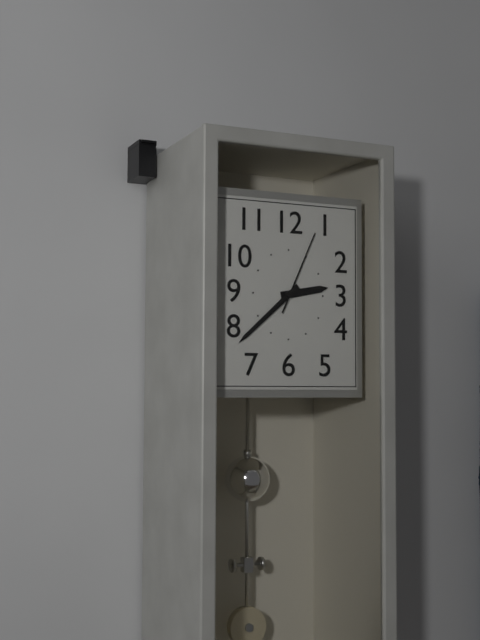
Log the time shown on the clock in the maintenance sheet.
2:38:04
